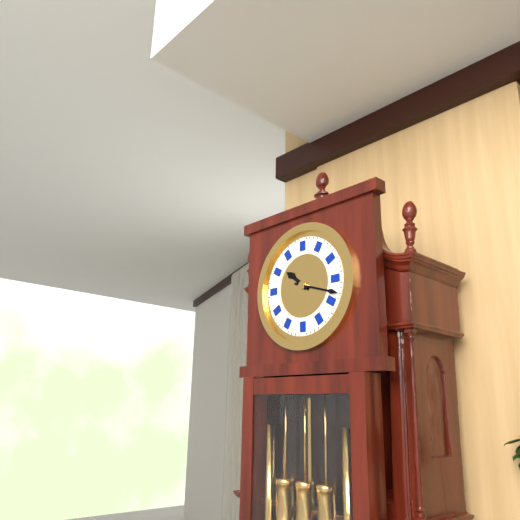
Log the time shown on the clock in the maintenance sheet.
10:18
